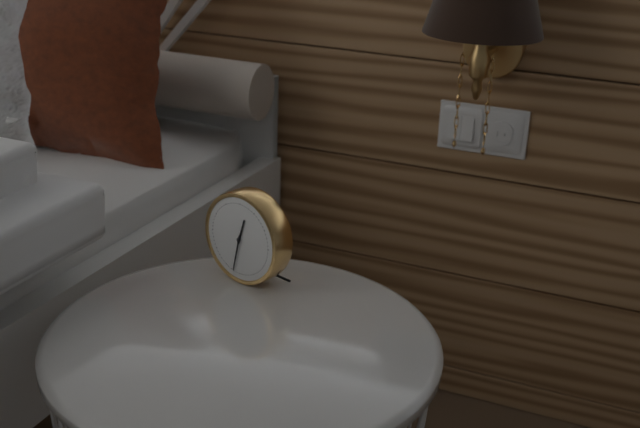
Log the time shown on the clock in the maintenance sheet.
12:32
